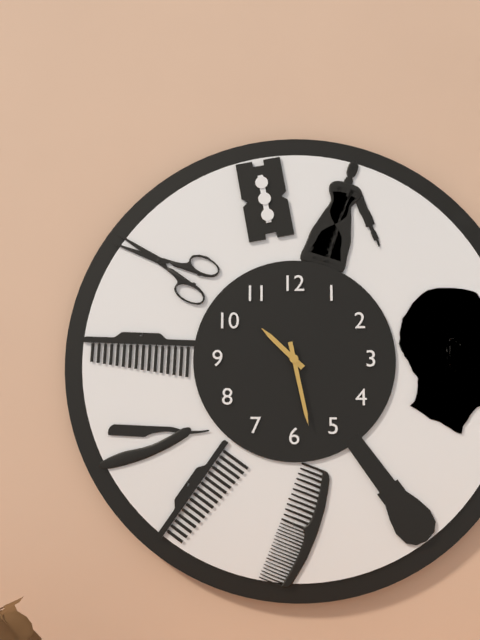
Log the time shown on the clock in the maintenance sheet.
10:28
